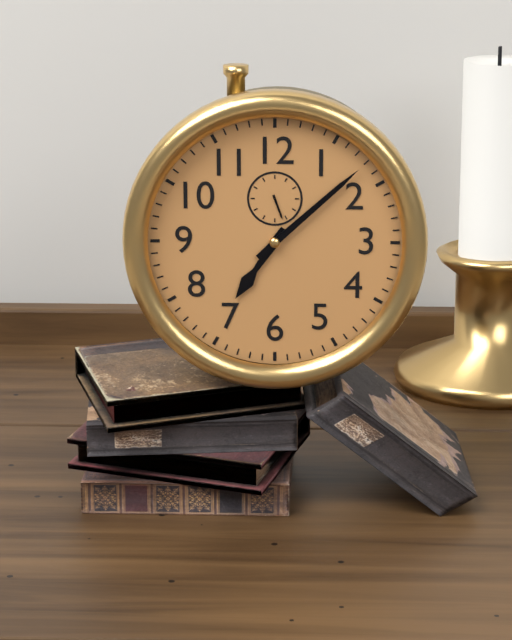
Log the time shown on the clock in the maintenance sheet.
7:08
